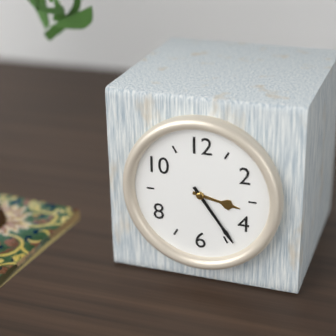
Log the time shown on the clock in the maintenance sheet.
3:24
